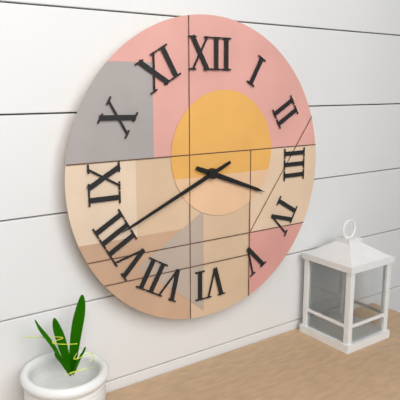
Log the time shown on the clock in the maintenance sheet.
3:41
